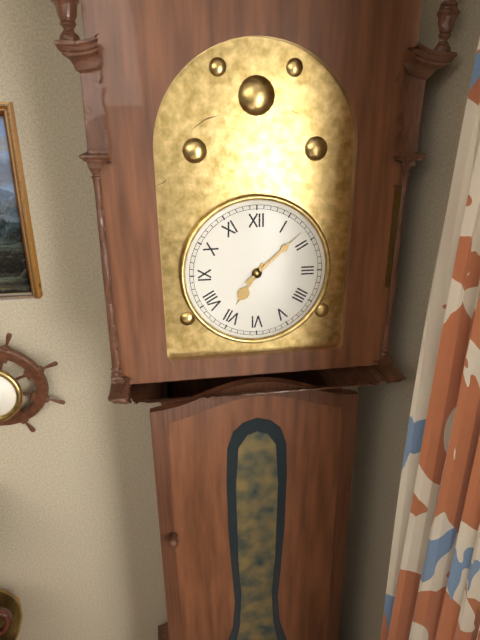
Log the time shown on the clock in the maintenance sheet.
7:08
